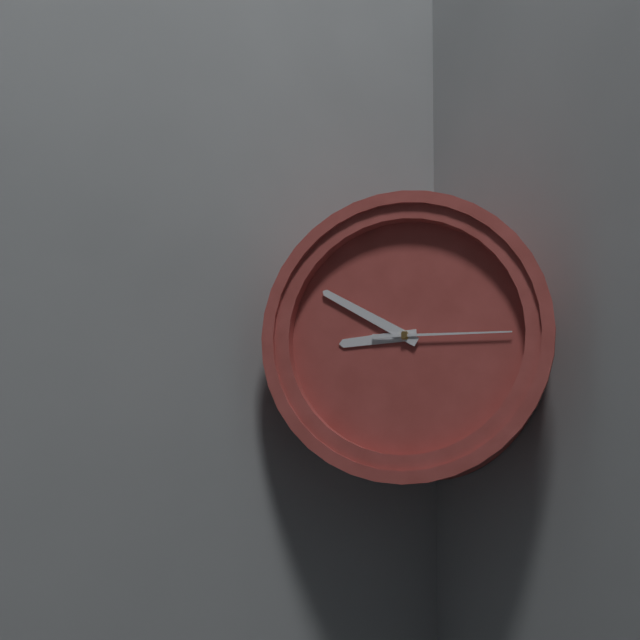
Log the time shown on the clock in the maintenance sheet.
8:50:15
